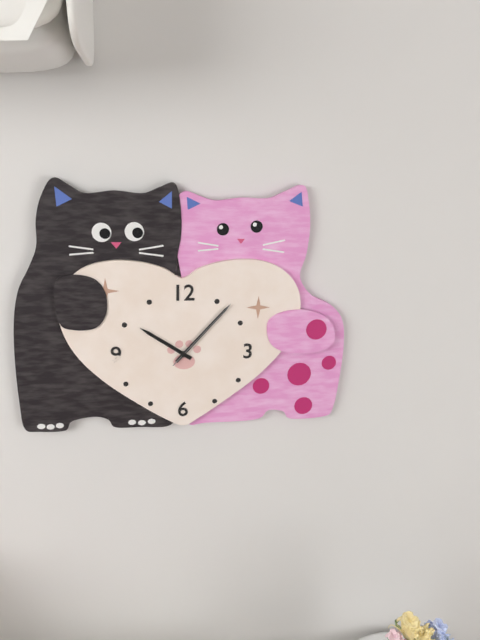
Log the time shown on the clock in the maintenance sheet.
10:07:07
